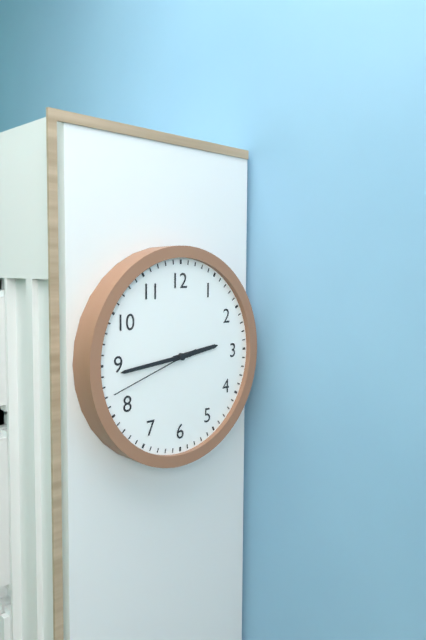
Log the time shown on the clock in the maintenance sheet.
2:44:42
